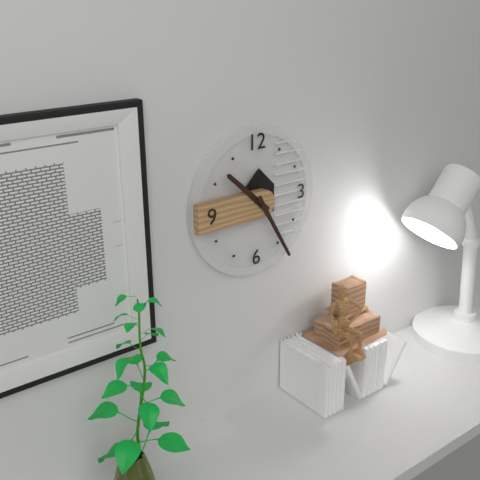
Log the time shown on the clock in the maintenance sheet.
10:25
